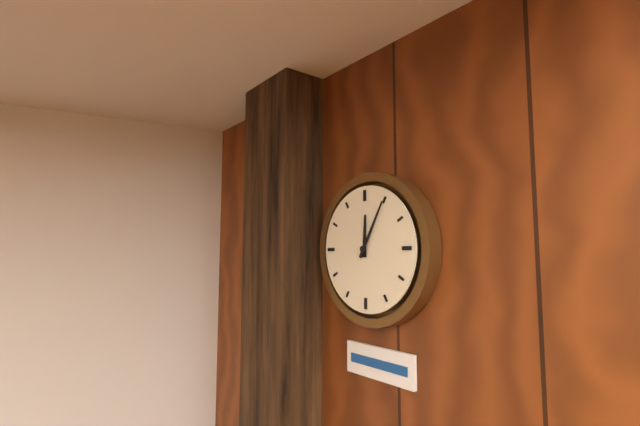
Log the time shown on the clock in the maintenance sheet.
12:05
